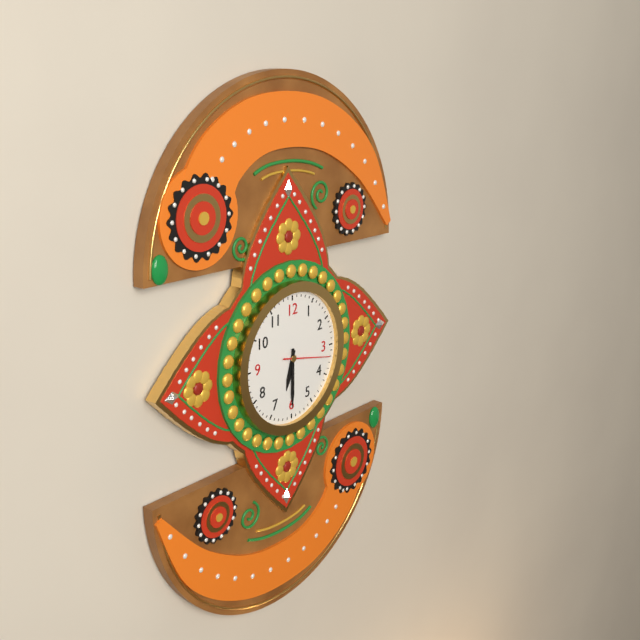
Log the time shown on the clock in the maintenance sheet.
6:30:17
